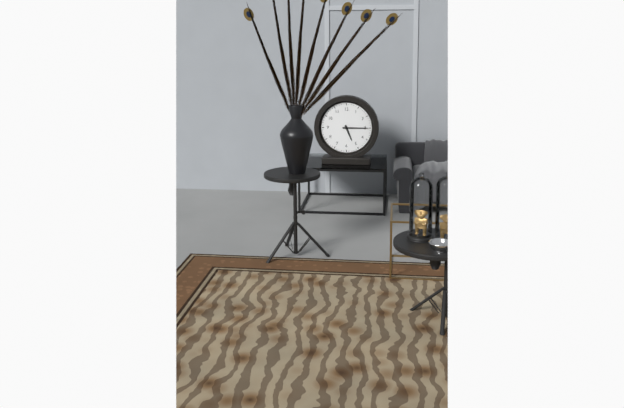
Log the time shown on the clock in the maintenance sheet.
5:15
